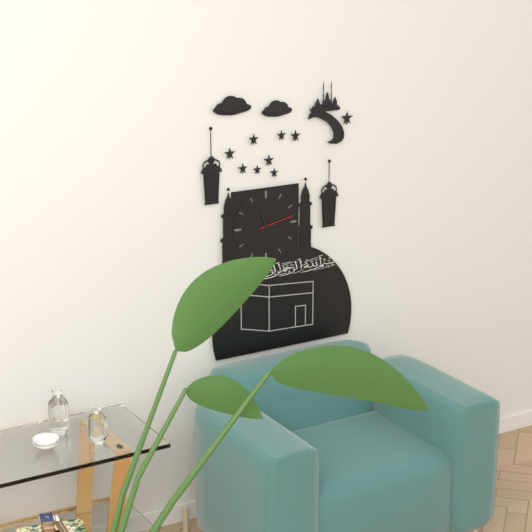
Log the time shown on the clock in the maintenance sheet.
11:15
